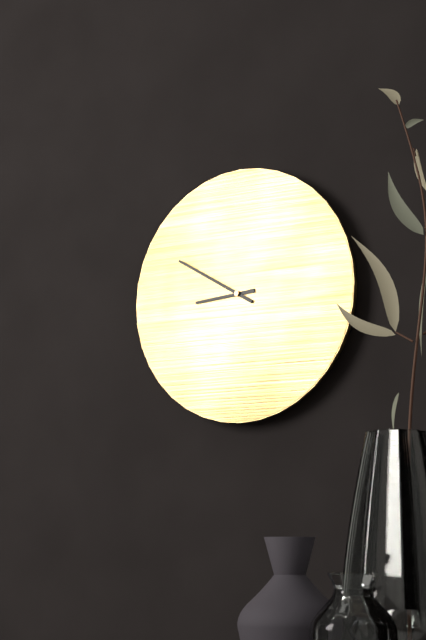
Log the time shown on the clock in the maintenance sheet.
8:50
